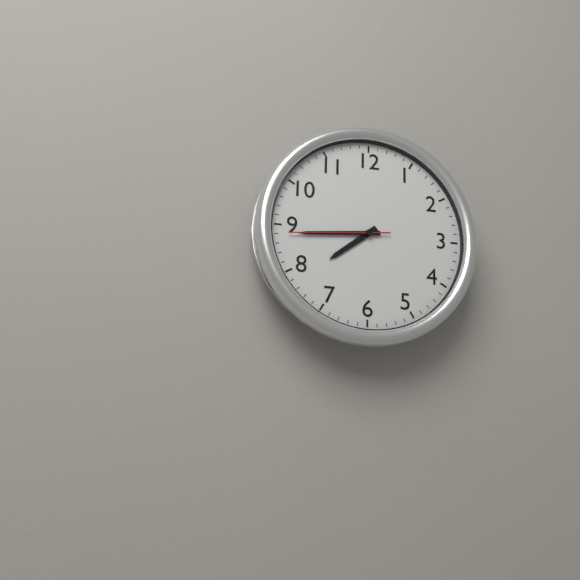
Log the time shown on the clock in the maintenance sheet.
7:44:44
